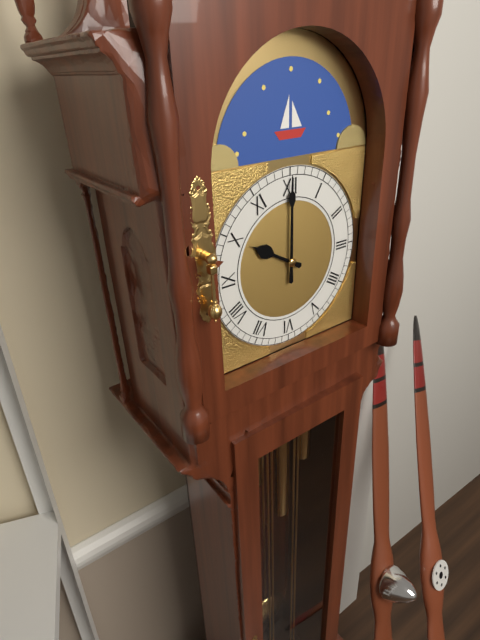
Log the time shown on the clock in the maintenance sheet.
10:00
